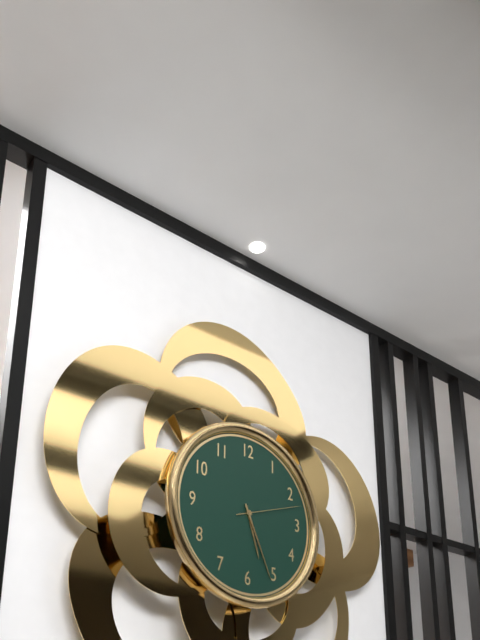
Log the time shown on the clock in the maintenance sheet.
5:26:12
